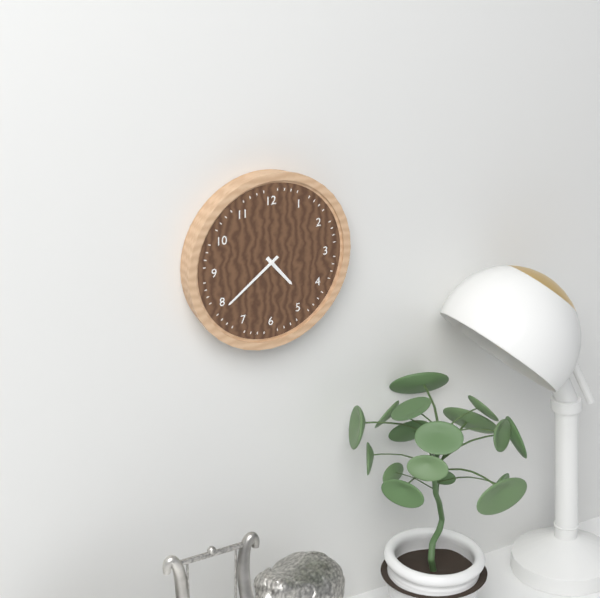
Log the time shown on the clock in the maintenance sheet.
4:39
